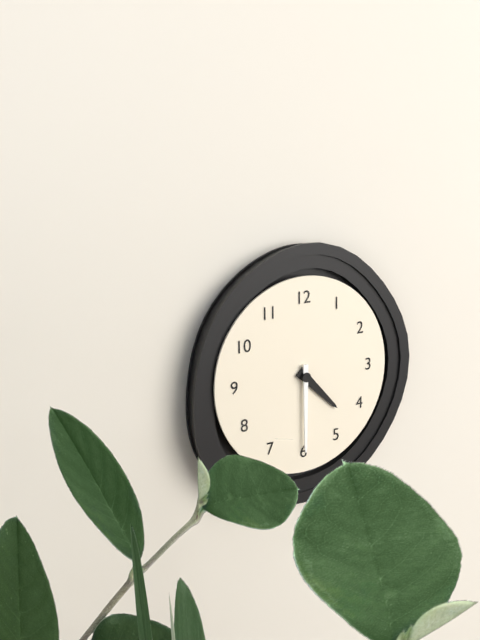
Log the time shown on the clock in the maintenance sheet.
4:30
